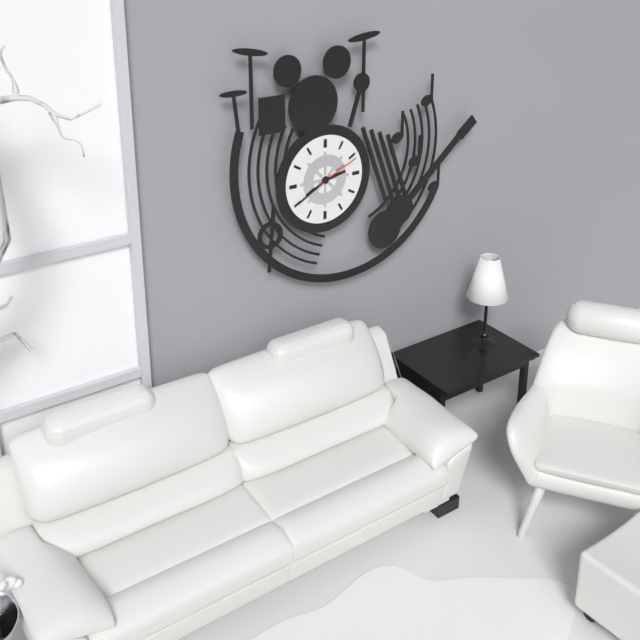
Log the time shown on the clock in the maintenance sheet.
2:40:11
